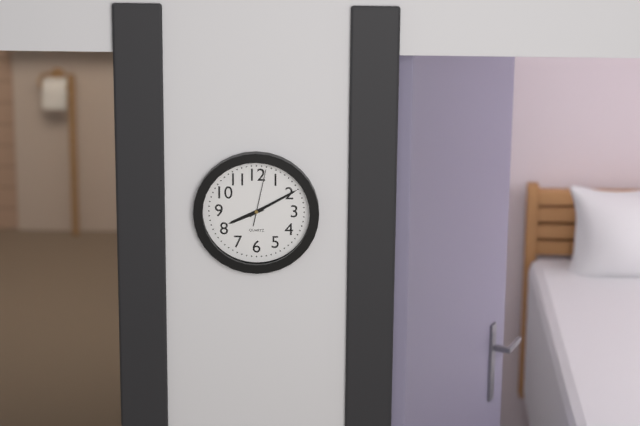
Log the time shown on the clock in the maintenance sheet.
8:10:02
